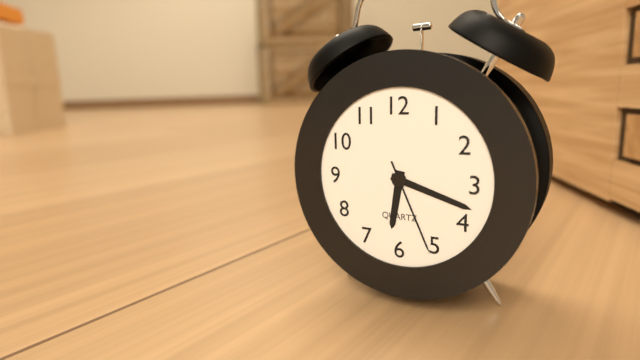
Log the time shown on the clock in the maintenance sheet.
6:18:26
